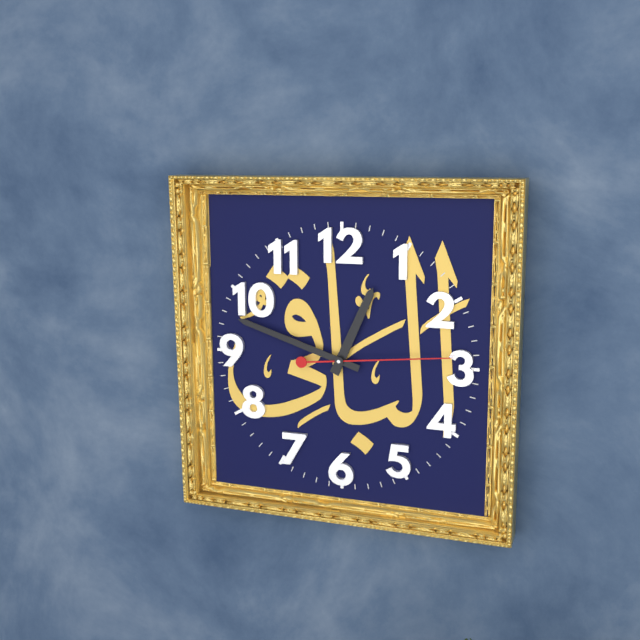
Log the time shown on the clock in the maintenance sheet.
12:48:14
